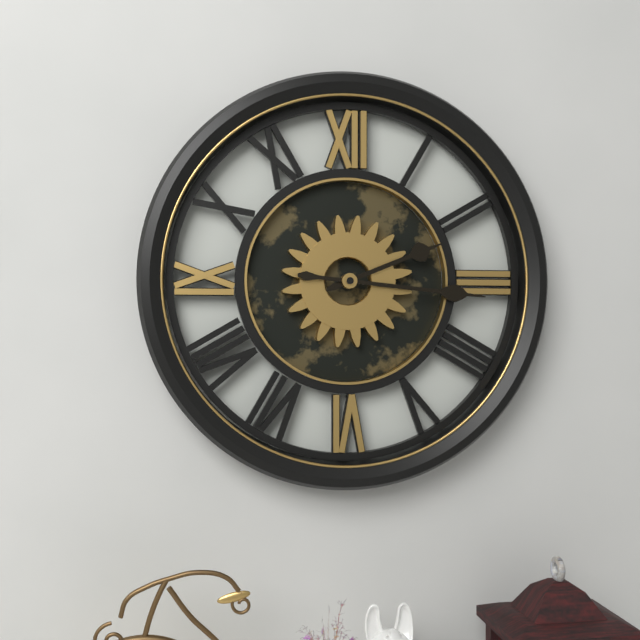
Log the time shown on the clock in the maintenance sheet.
2:16
